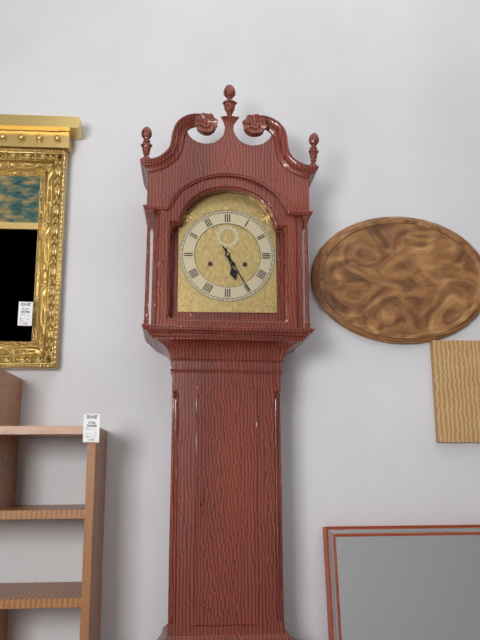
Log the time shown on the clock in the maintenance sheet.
5:25
